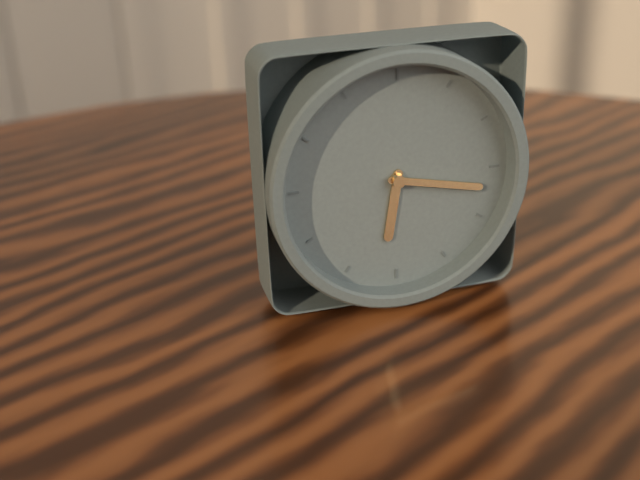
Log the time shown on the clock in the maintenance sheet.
6:17
